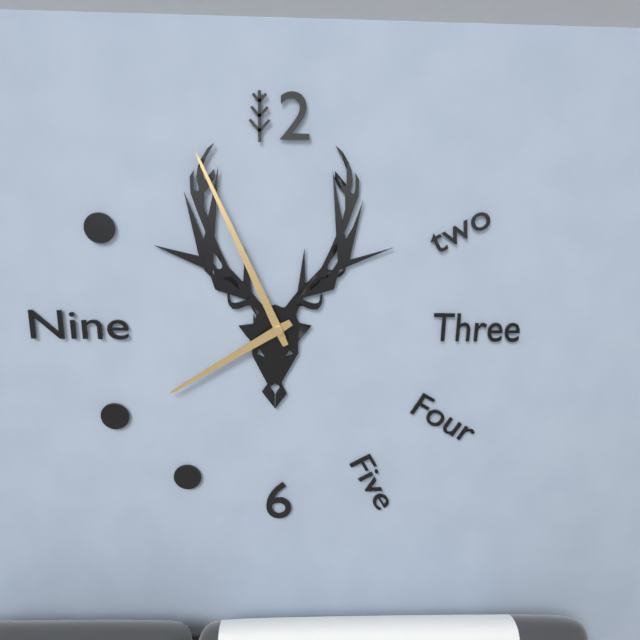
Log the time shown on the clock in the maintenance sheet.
7:56
